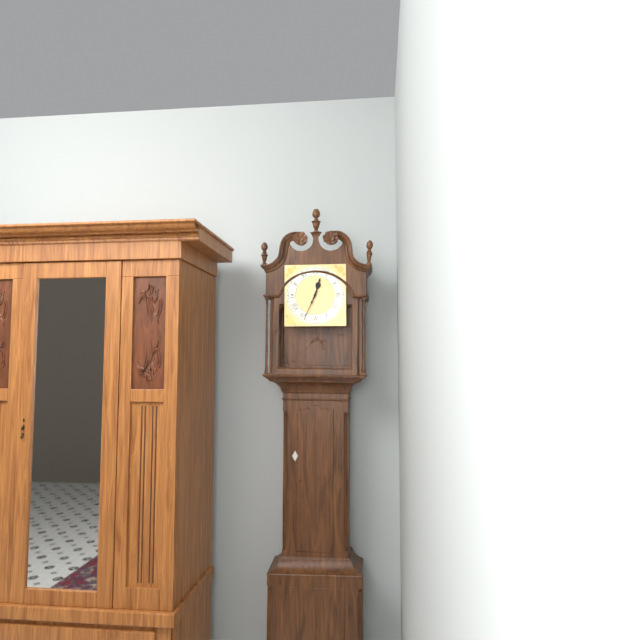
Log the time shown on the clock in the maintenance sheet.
12:34
